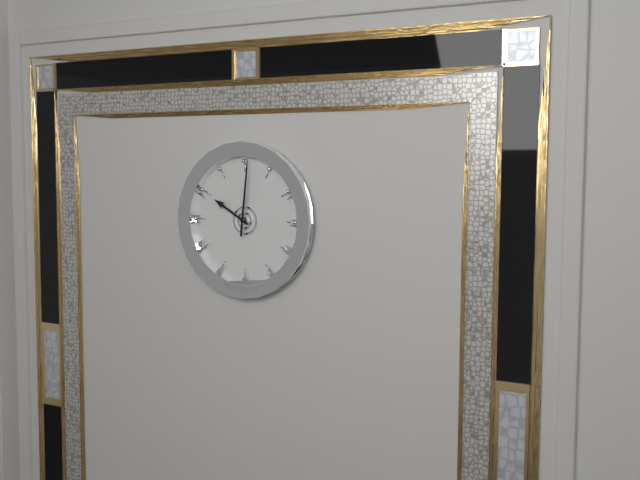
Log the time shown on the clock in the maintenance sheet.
10:01
